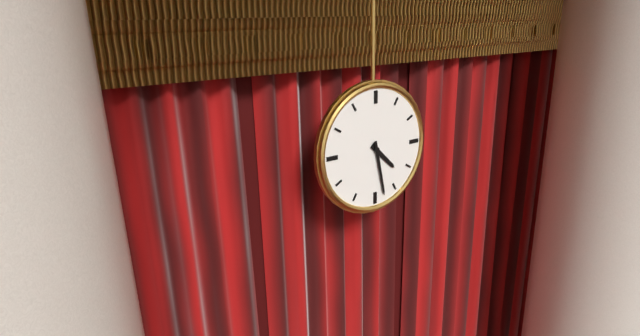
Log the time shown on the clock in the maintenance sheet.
4:28
